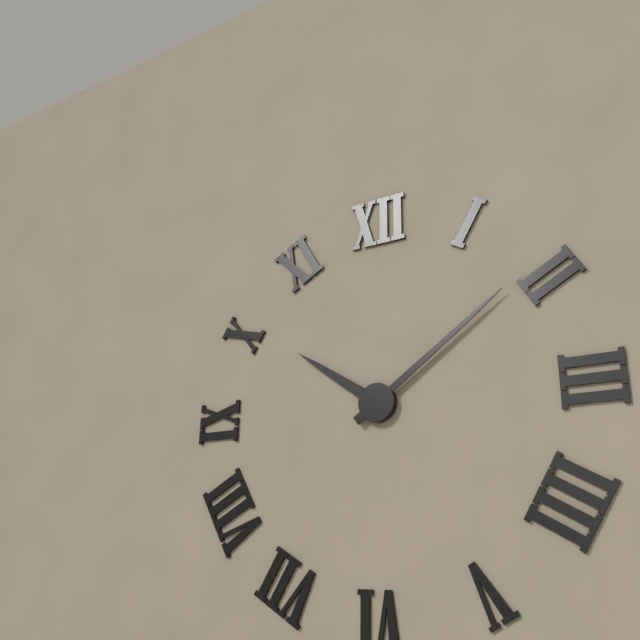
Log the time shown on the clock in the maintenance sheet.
10:09
